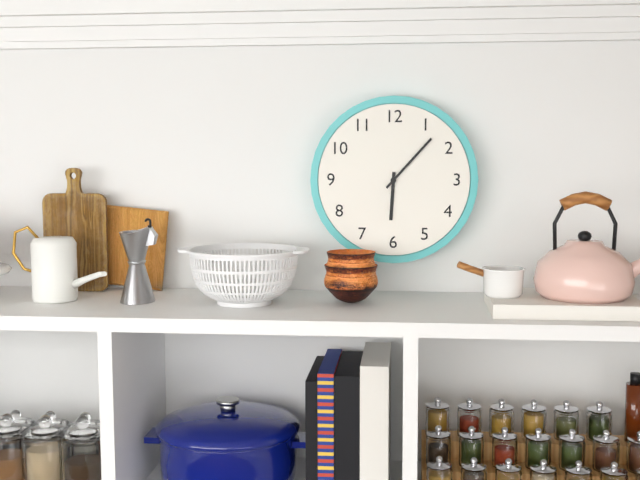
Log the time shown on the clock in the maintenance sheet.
6:07
